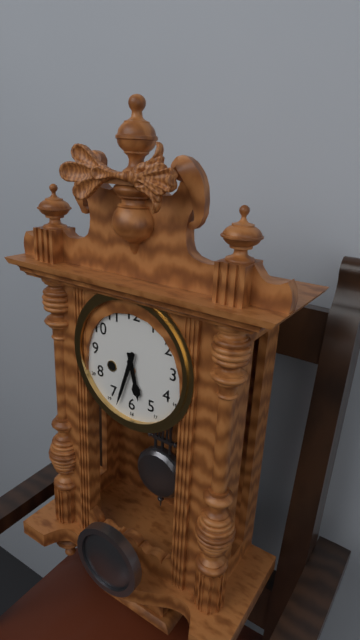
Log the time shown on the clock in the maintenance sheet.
5:33
